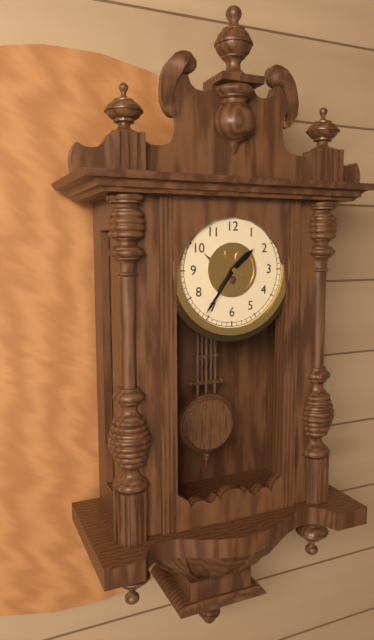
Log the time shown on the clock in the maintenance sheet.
1:36
